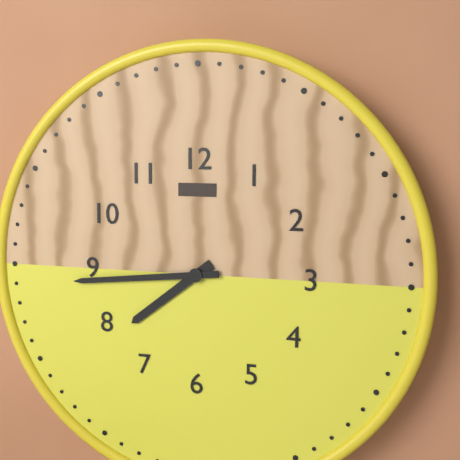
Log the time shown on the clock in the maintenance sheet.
7:44
